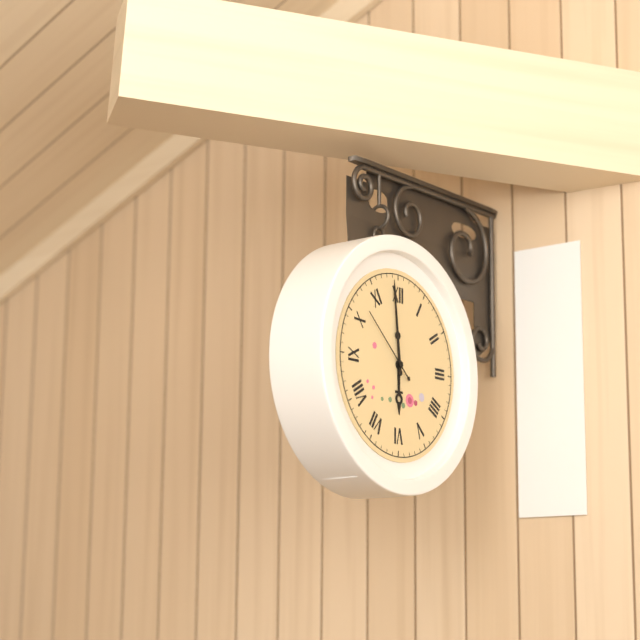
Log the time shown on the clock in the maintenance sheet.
5:59:52
